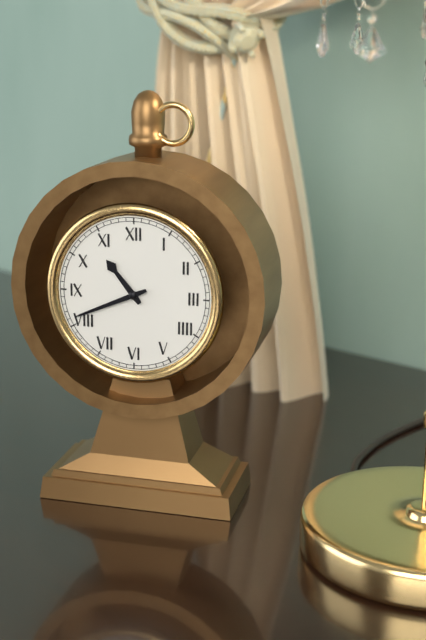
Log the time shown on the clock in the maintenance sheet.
10:41
